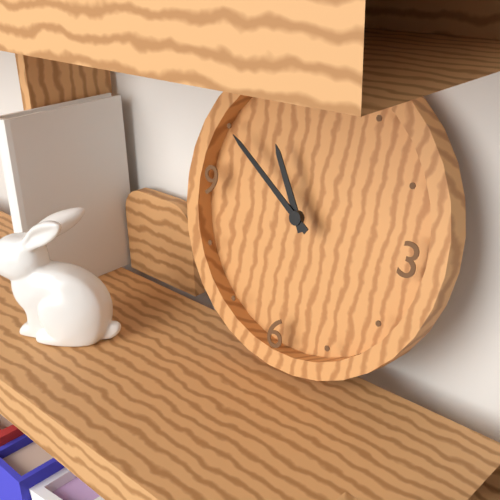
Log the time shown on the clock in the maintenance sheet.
10:50
